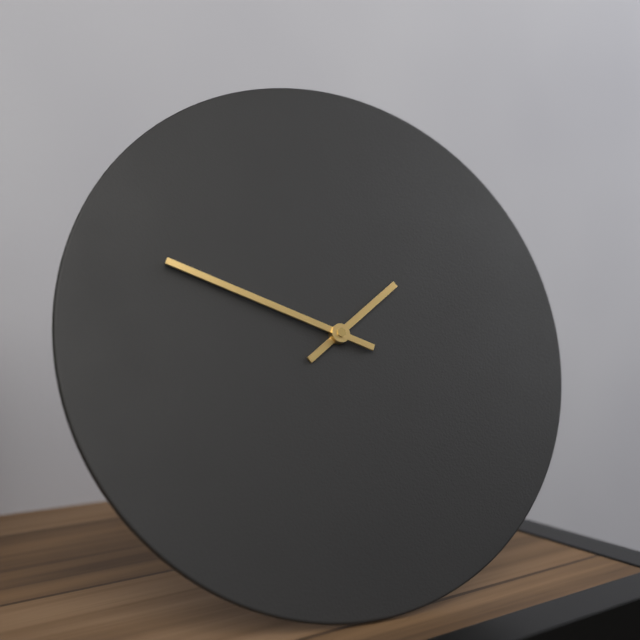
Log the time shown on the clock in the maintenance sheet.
1:49
